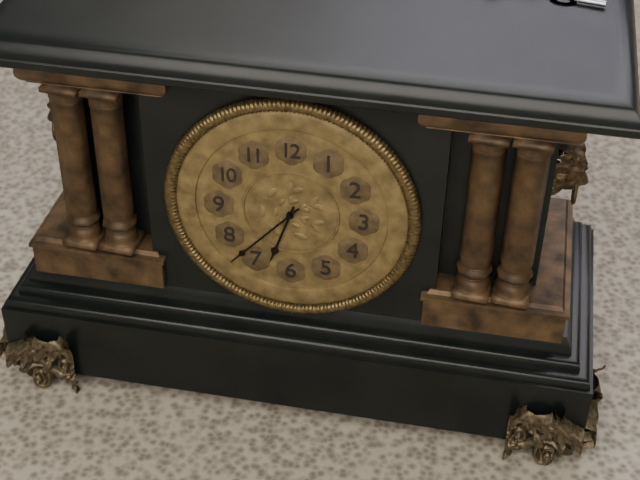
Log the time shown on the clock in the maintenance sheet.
6:37
